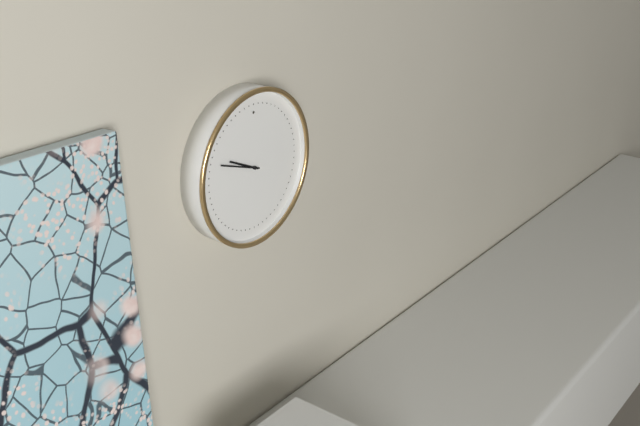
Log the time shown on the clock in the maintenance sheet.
9:48
